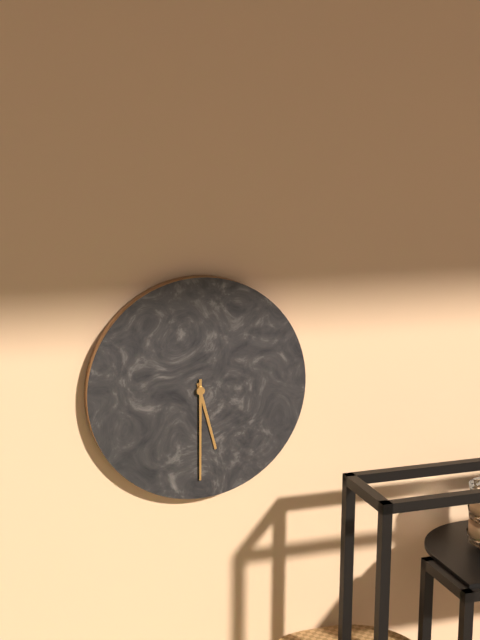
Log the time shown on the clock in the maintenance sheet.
5:30
